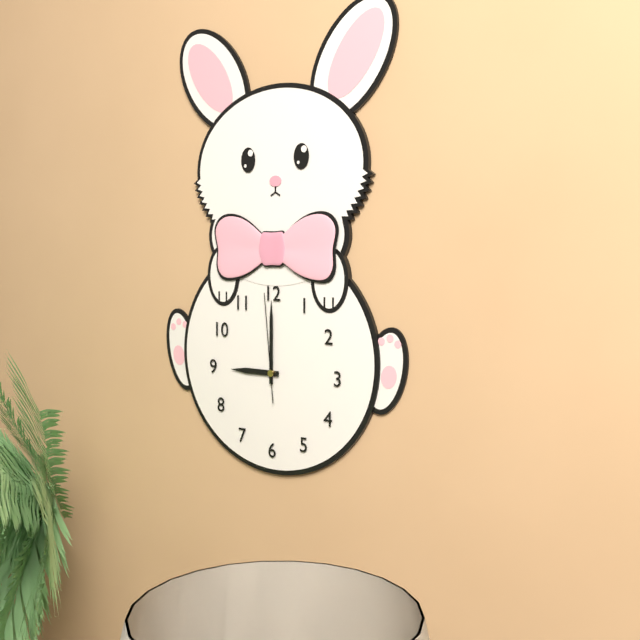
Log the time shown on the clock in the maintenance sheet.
9:00:59
